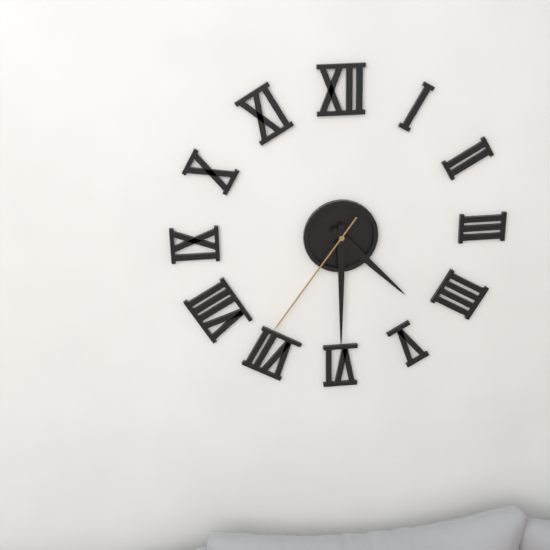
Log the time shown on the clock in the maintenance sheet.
4:30:36
